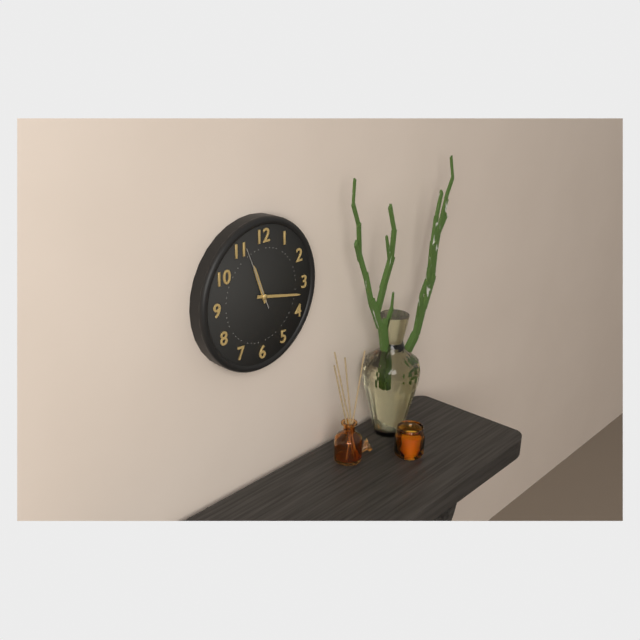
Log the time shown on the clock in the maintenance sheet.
11:17:56
